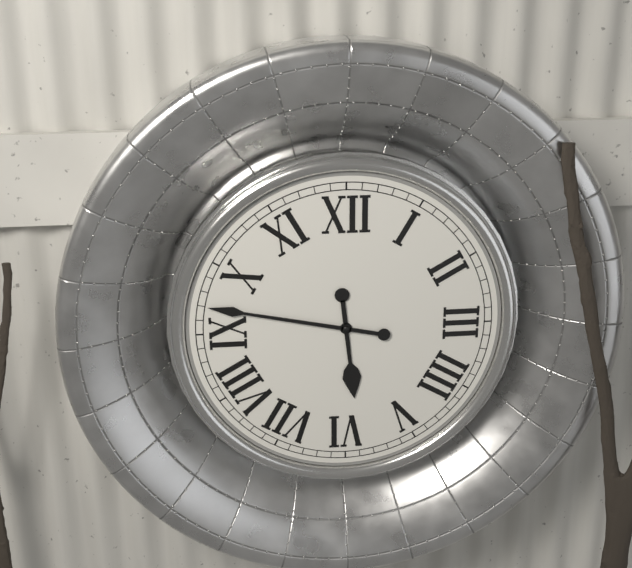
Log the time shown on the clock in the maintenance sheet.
5:47
